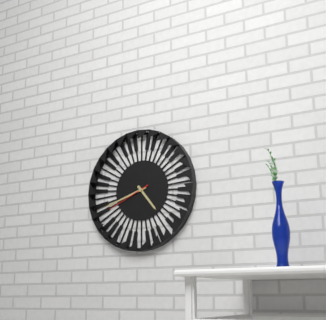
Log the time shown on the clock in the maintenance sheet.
4:42
